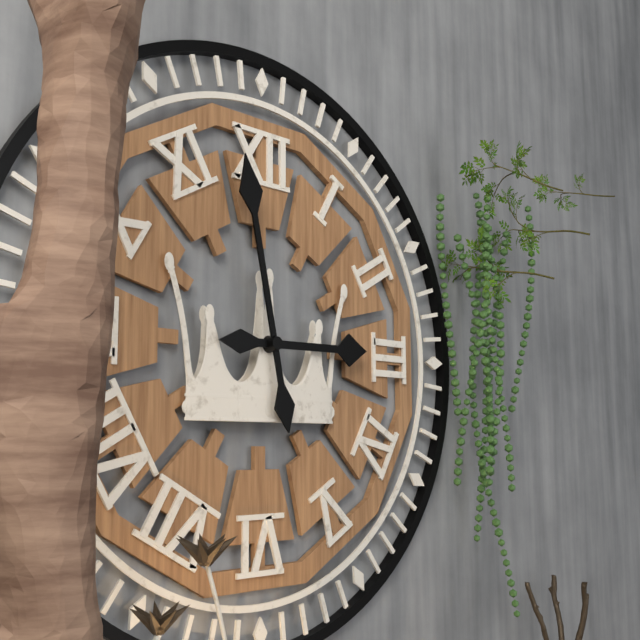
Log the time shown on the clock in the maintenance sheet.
2:58
